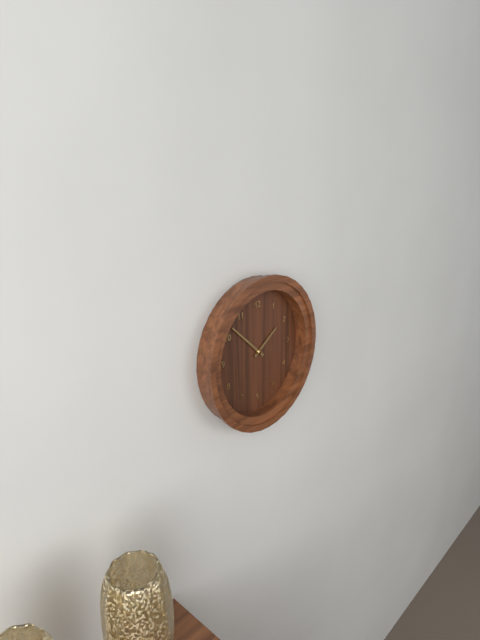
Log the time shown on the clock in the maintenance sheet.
1:52
